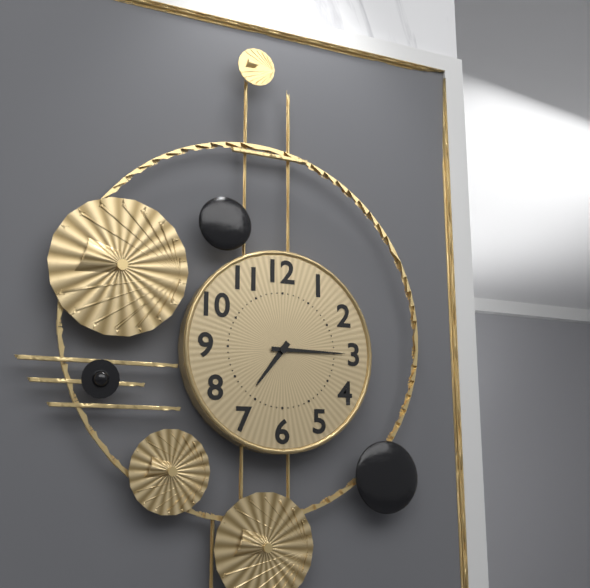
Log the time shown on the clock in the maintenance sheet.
7:15
